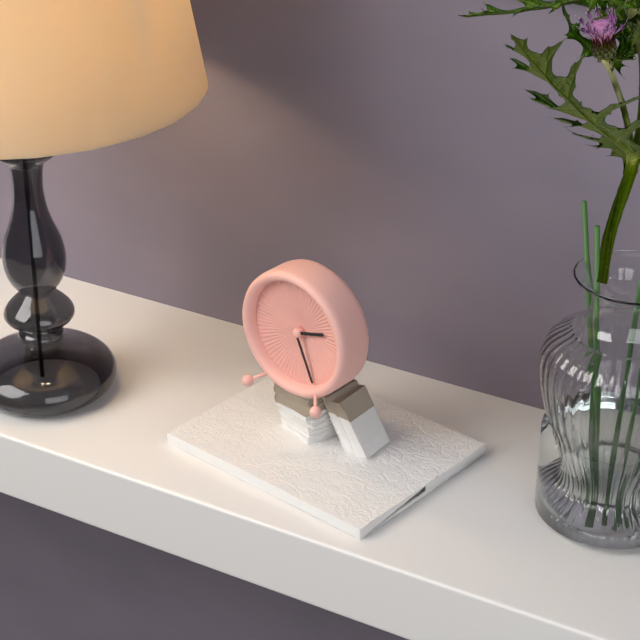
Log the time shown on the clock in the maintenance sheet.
2:26
